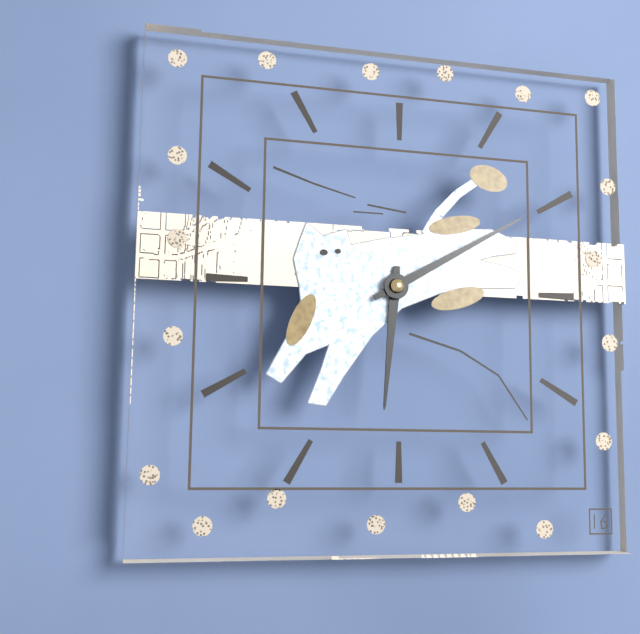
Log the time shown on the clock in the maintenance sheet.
6:10
